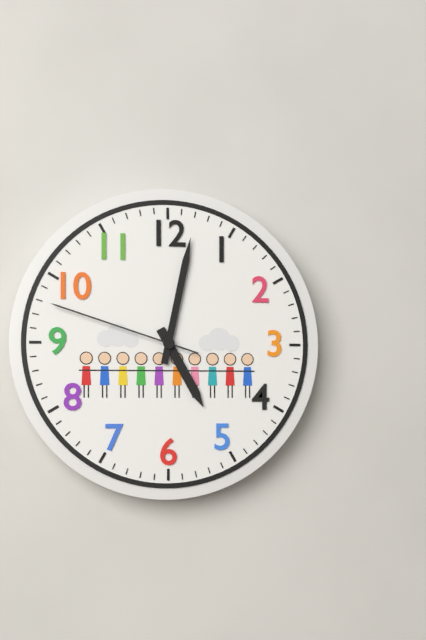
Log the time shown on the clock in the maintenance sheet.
5:02:48
